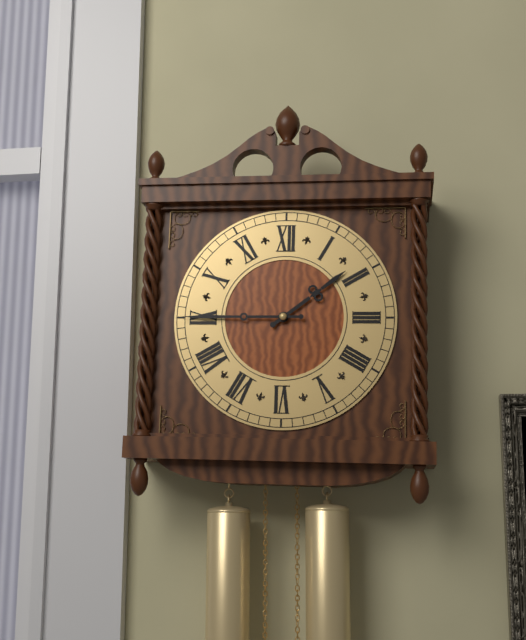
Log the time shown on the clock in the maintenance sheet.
1:45
